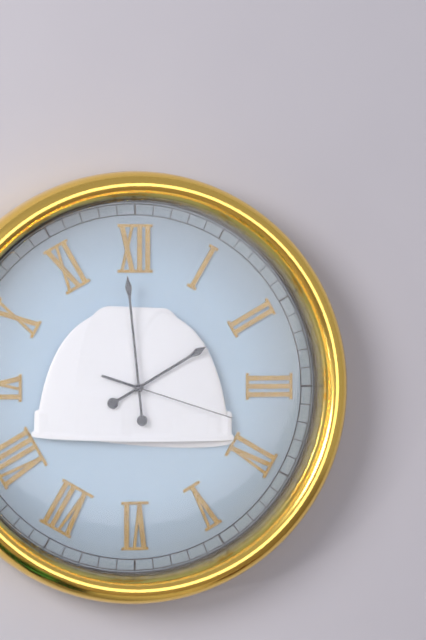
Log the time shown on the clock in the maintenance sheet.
1:59:18
